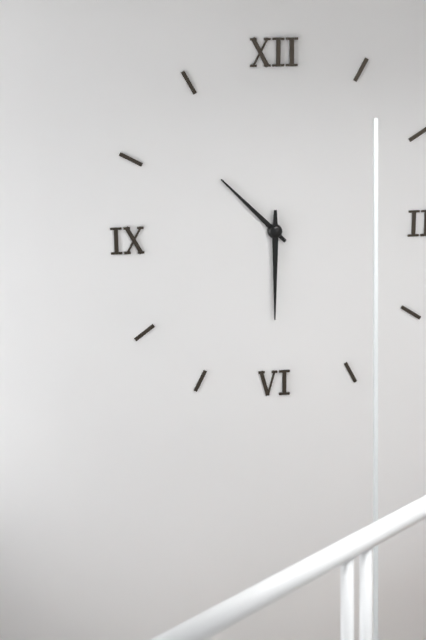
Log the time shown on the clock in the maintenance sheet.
10:30
